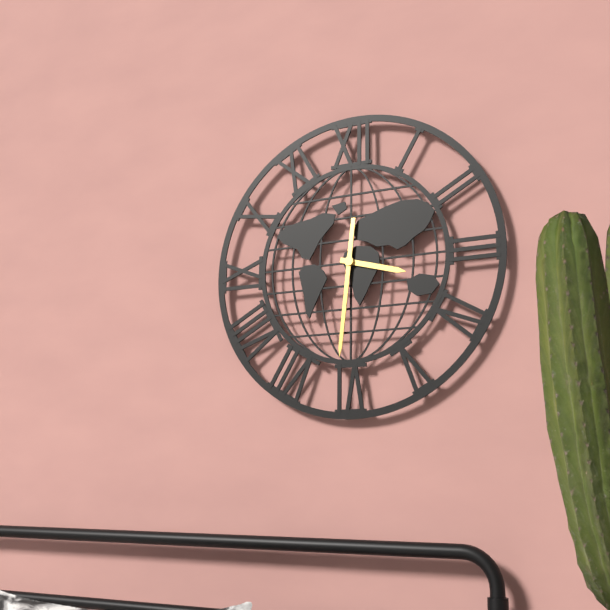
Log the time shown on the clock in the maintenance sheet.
3:31
